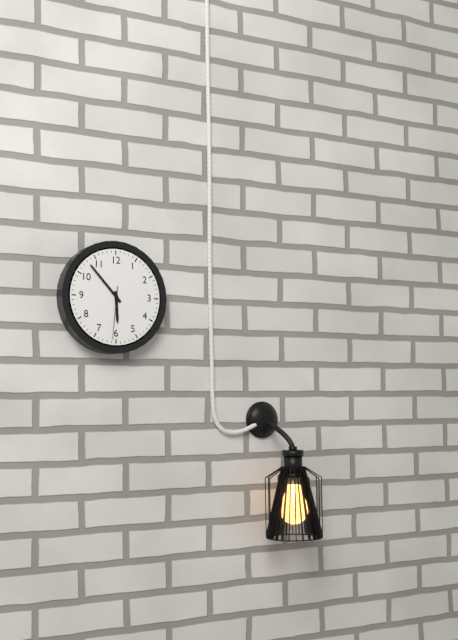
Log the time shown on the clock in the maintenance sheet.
5:53:31
